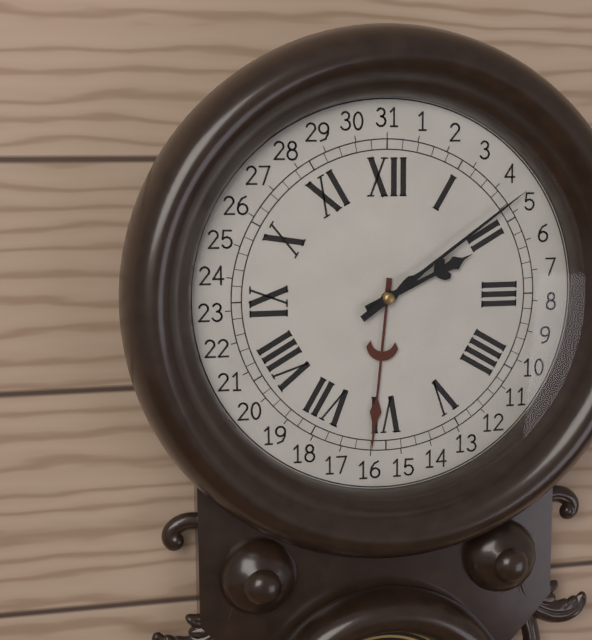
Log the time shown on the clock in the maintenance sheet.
2:09
